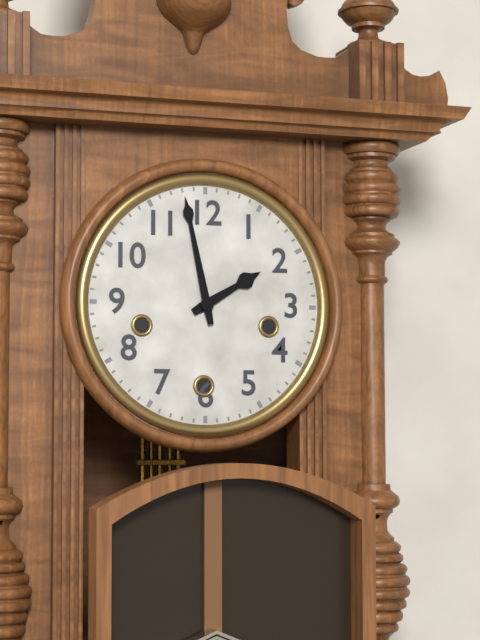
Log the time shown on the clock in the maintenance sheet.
1:58
